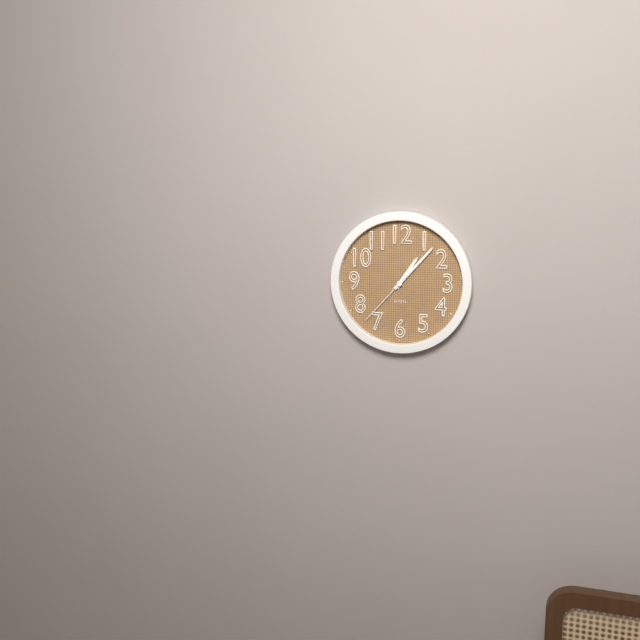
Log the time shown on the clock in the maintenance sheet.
1:07:37
